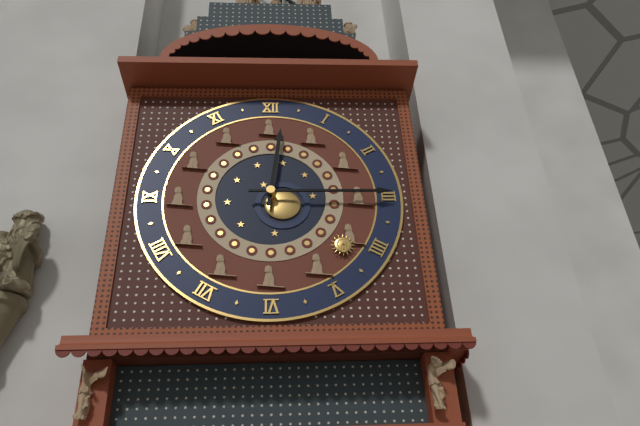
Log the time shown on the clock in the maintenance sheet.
12:15
